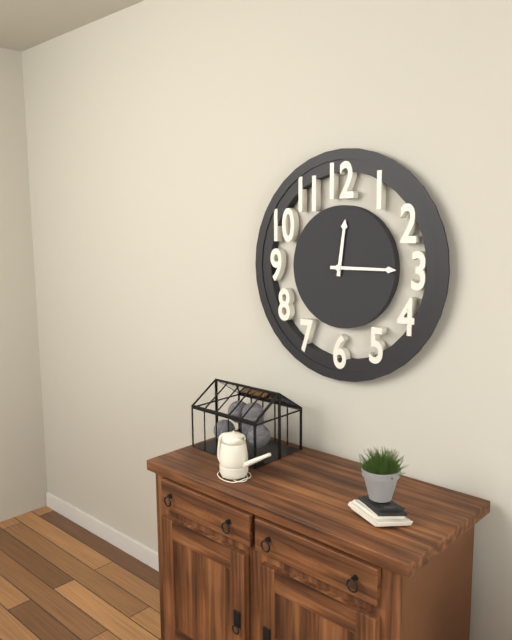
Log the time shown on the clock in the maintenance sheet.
12:15
